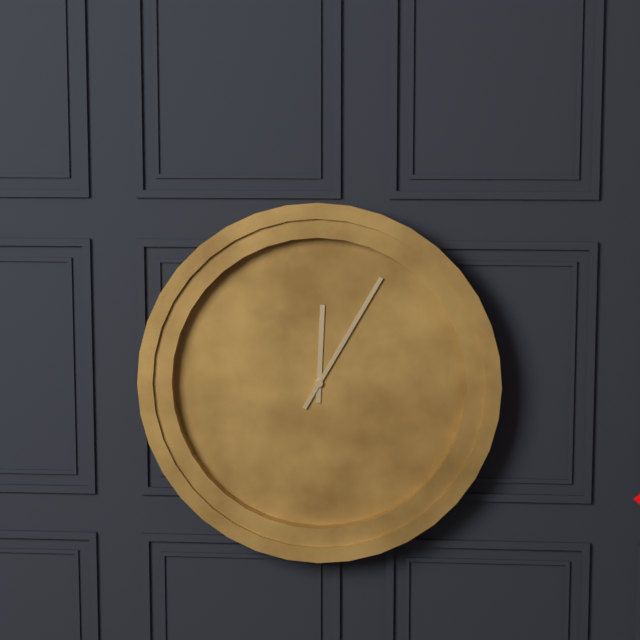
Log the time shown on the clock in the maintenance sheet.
12:05
